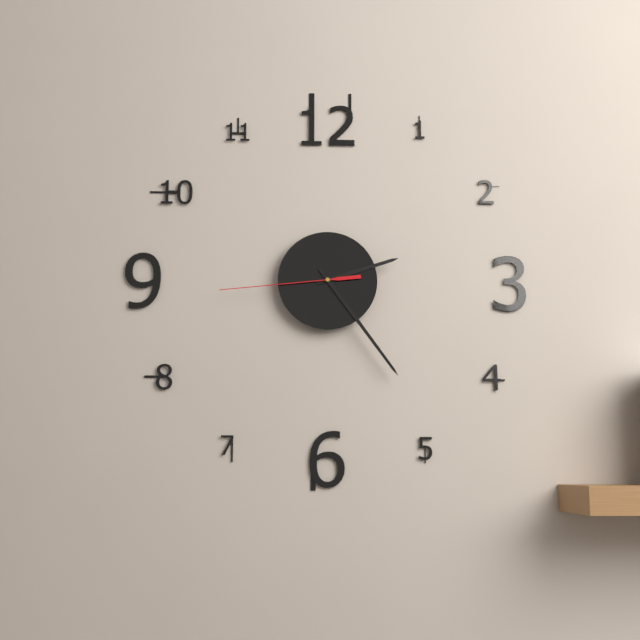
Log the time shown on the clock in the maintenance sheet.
2:24:44
